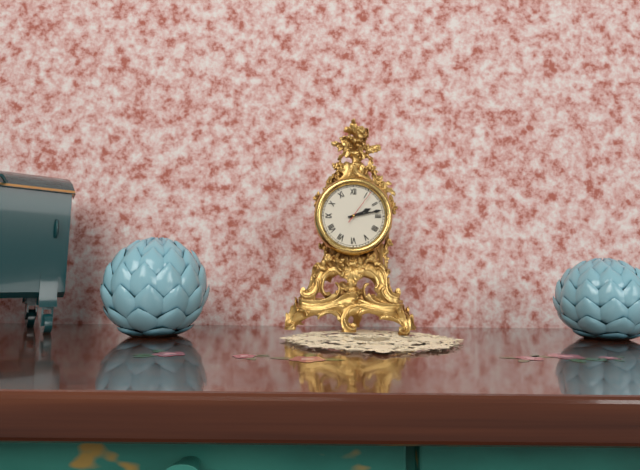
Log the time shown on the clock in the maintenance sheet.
2:13
